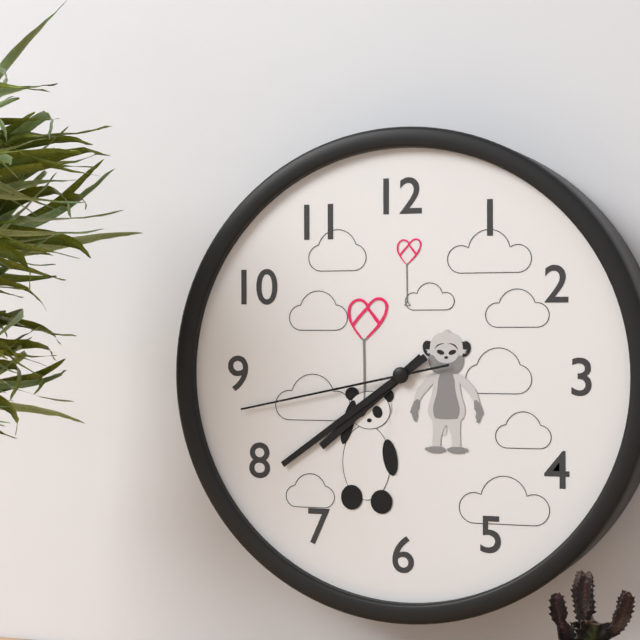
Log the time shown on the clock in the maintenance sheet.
7:39:43
